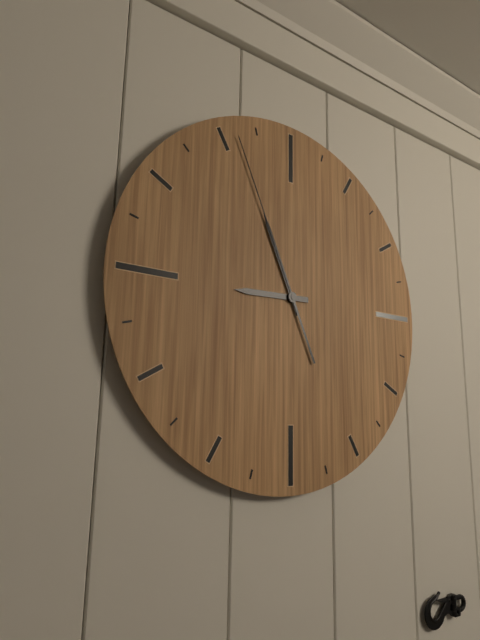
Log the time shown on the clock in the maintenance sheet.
8:56:56
